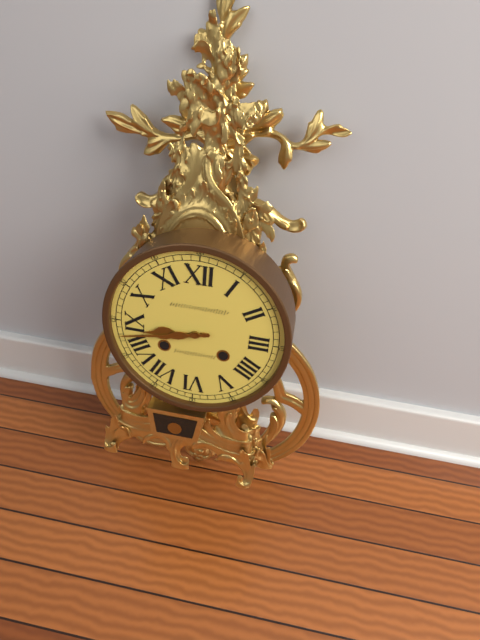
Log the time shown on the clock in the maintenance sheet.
8:43
